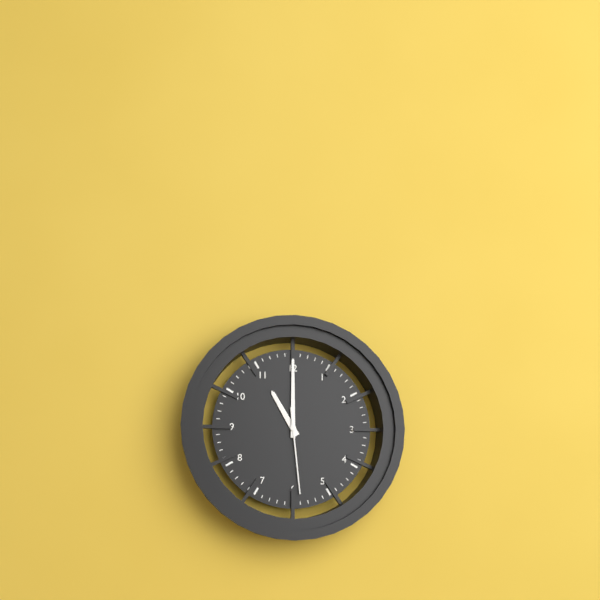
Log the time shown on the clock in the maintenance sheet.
11:00:29
